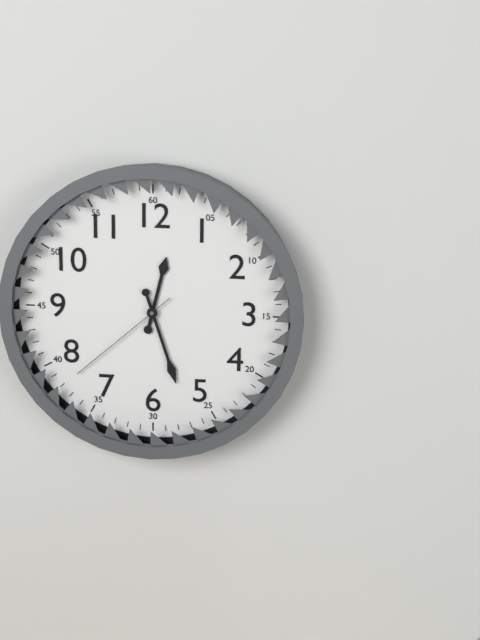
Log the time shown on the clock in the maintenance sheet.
12:27:38
